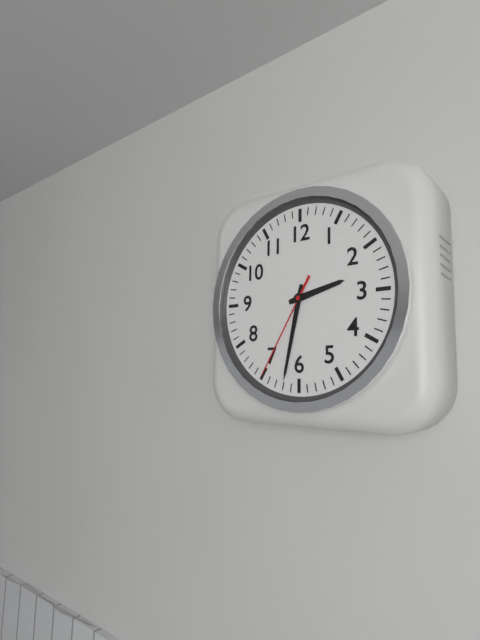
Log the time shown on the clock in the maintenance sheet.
2:32:35
